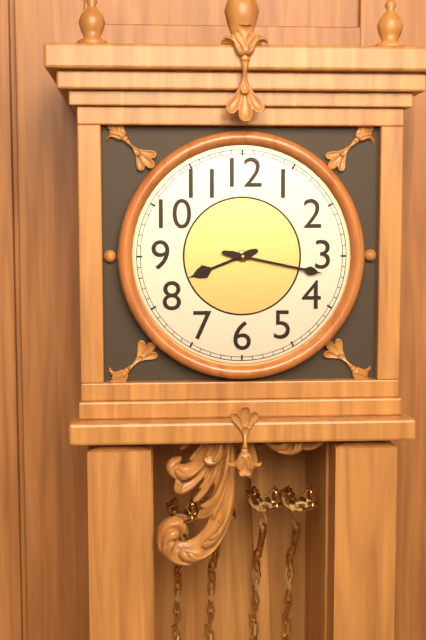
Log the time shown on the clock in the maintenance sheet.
8:17
